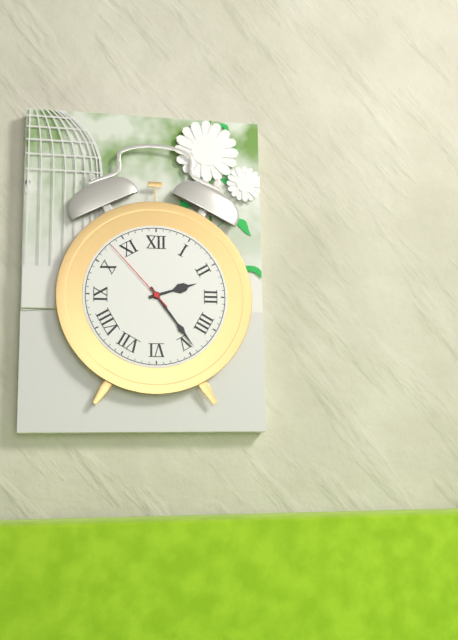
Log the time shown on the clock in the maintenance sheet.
2:24:53
